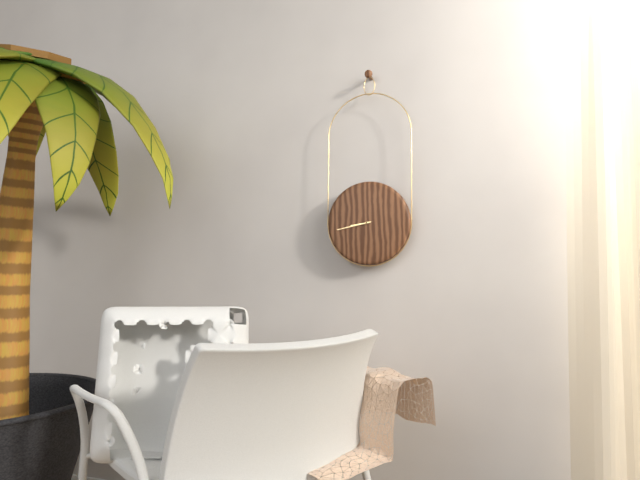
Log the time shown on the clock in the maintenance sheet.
8:43
